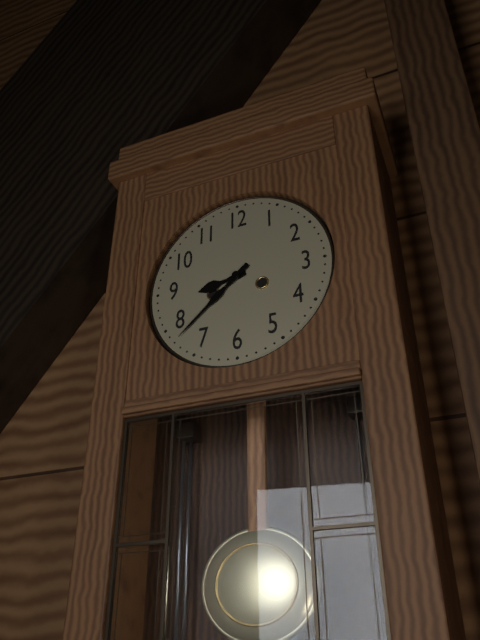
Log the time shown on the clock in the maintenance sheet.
8:38
